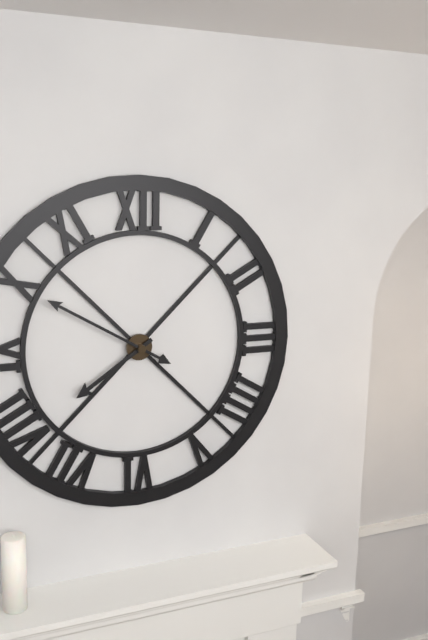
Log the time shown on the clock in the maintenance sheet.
7:50
